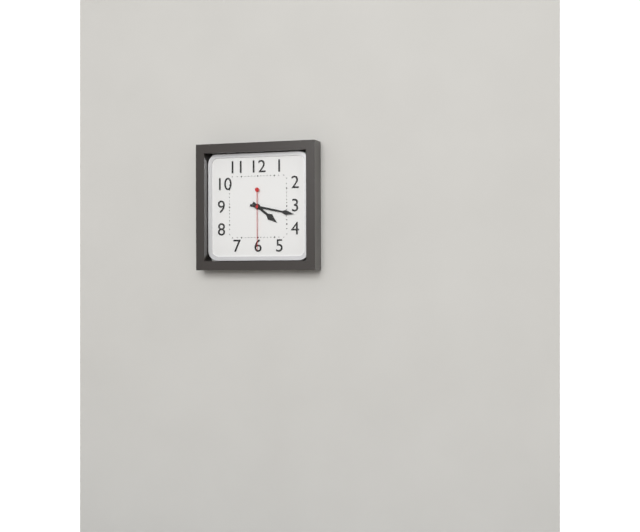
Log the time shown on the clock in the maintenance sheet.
4:17:30
